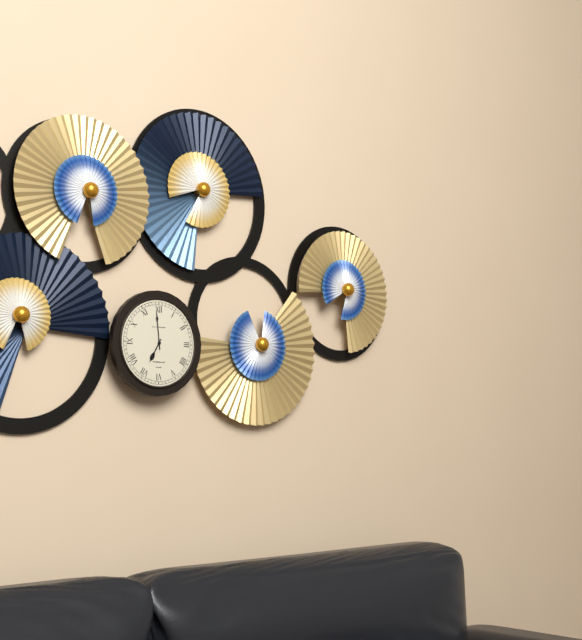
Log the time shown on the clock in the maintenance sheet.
6:59
